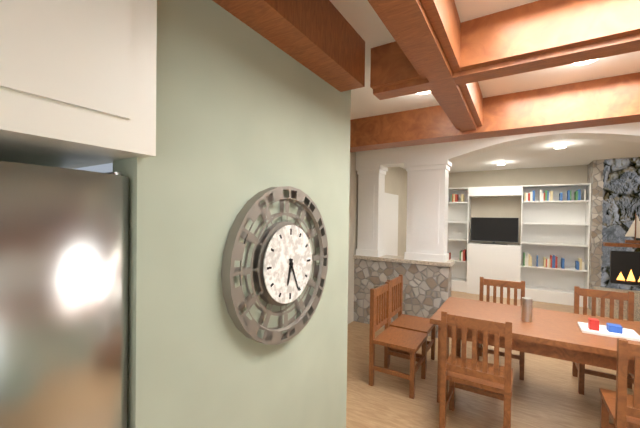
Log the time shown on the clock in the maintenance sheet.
6:26
